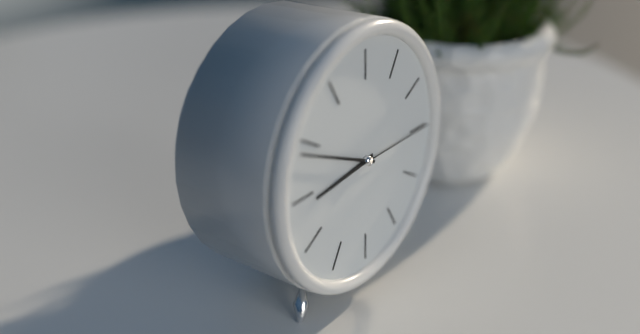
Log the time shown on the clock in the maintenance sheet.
8:49:15
